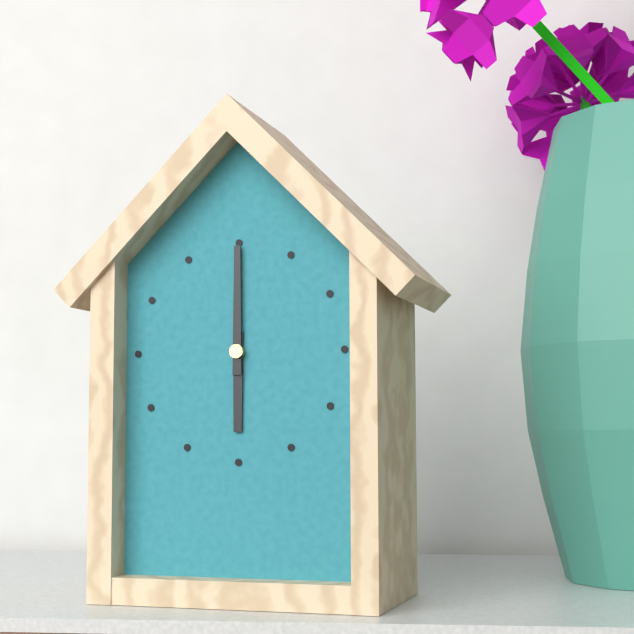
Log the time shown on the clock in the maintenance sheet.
6:00
